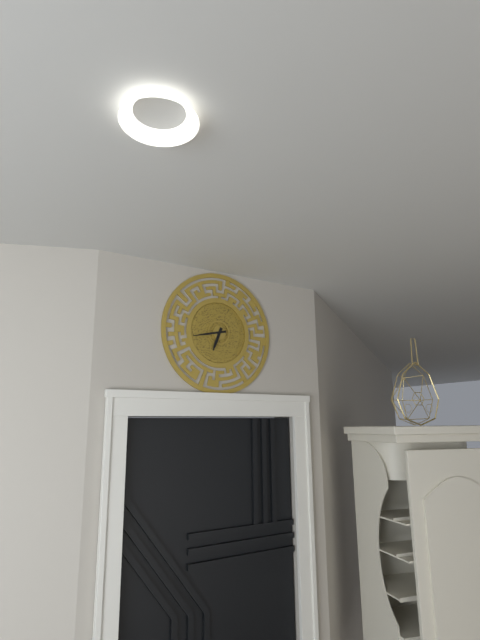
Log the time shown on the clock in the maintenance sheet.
6:43
